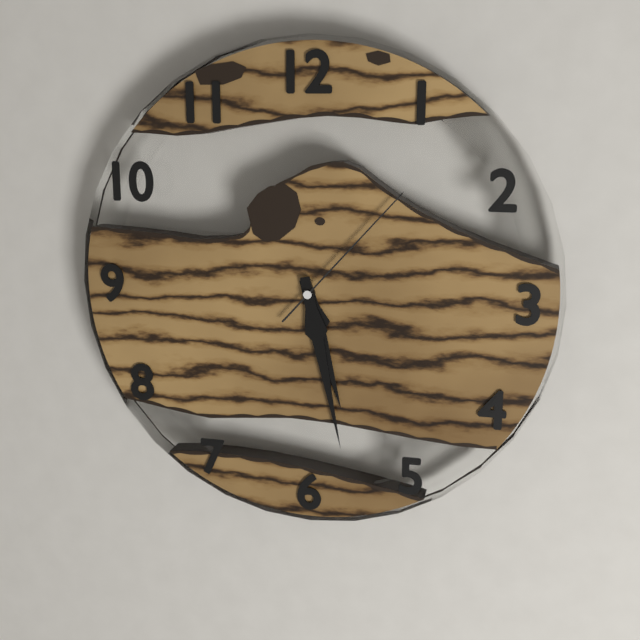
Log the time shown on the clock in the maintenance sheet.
5:28:07
